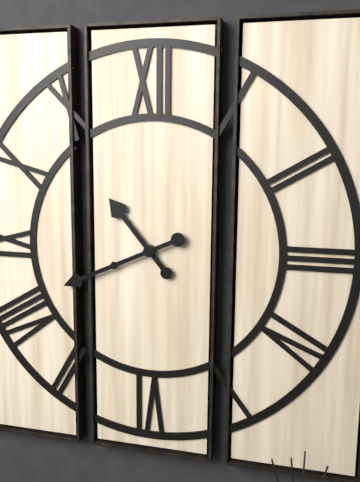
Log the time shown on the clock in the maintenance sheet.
10:41
